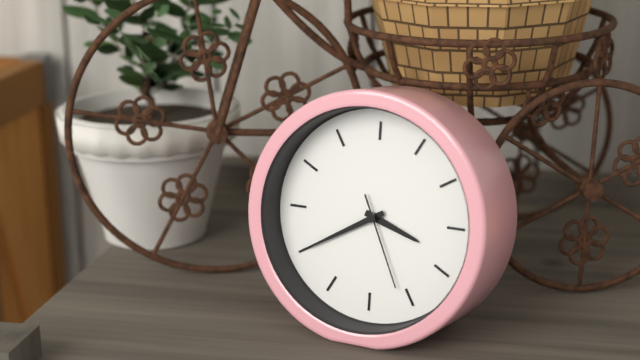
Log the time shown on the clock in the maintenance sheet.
3:40:26
